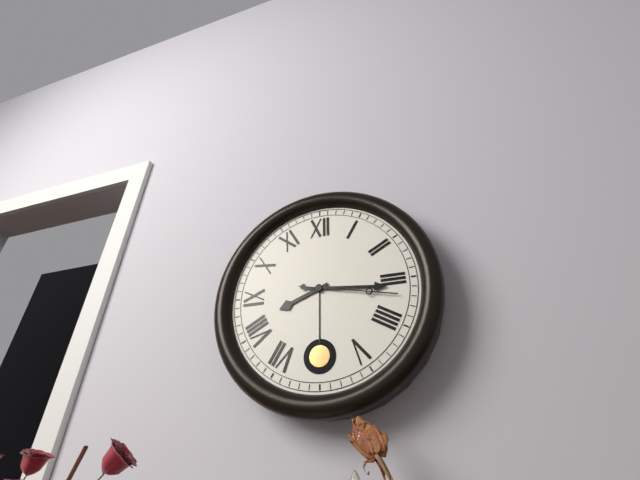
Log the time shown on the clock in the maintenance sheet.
8:16:17
